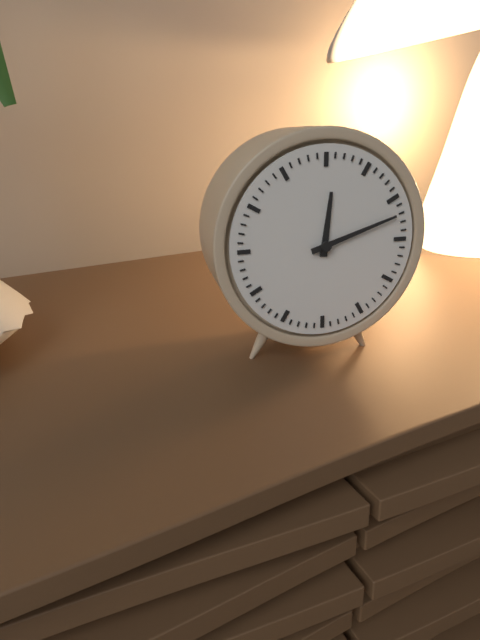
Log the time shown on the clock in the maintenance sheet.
12:12
